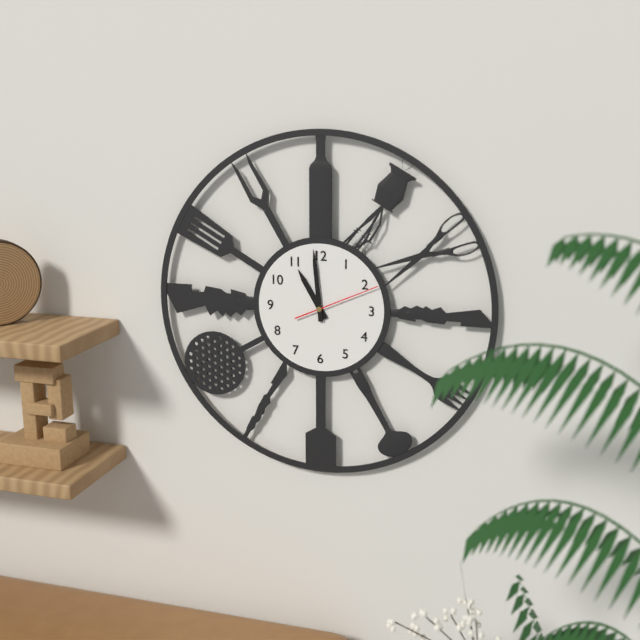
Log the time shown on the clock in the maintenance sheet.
10:59:11
